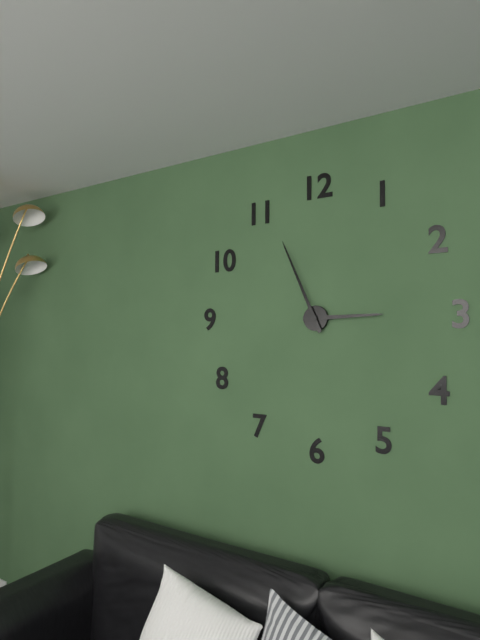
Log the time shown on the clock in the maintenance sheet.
2:56
